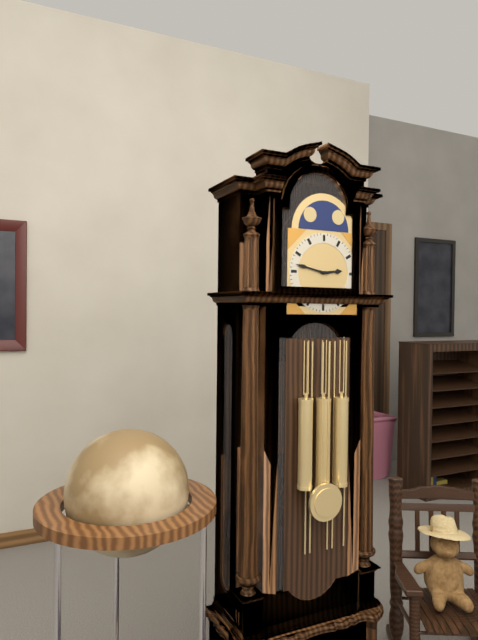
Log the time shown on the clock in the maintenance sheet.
2:47
